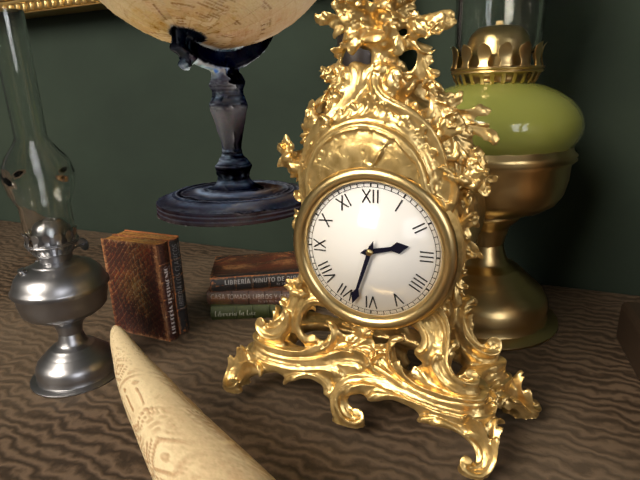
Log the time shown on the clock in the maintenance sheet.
2:33
